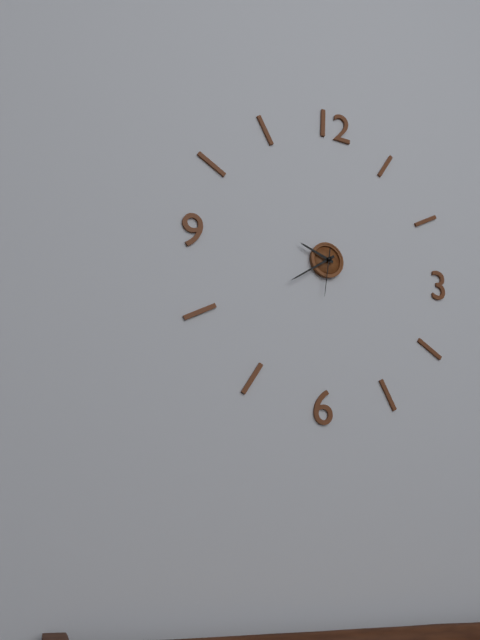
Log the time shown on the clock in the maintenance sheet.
9:39
